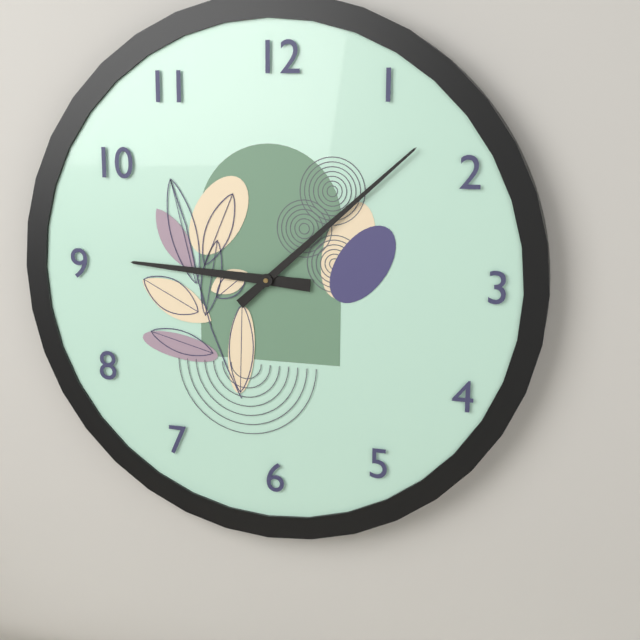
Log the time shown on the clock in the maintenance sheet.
9:08
